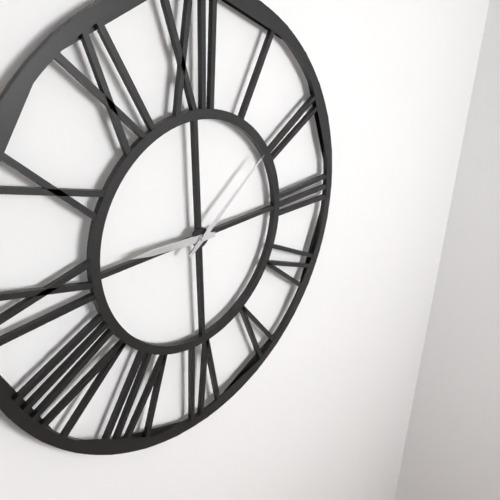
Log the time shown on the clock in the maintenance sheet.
9:09
